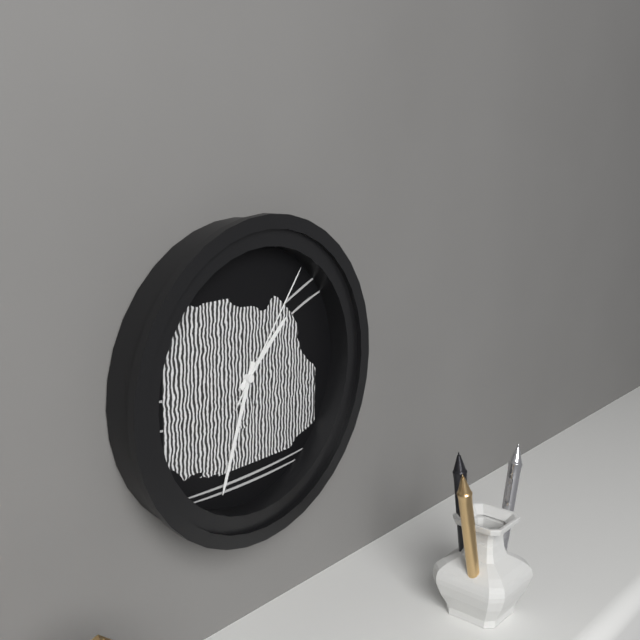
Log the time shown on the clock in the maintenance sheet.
1:33:06
